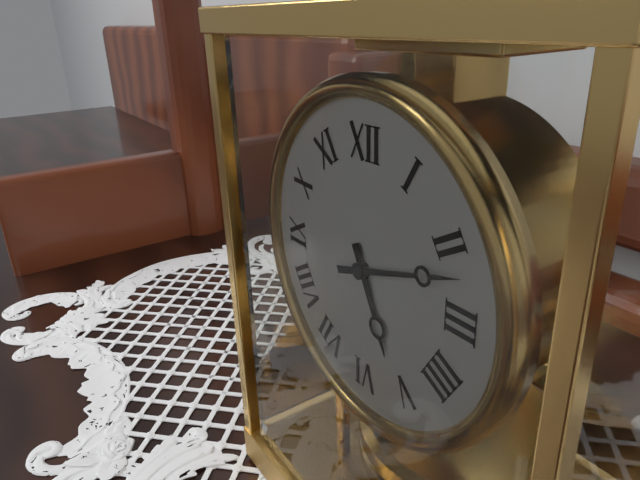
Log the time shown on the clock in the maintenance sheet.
5:12
